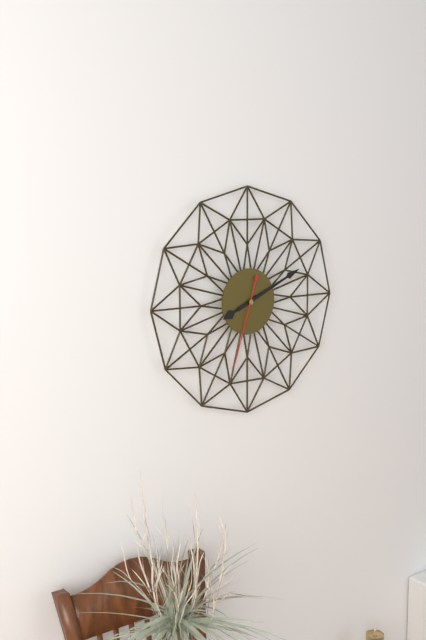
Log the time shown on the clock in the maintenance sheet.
8:11:33
